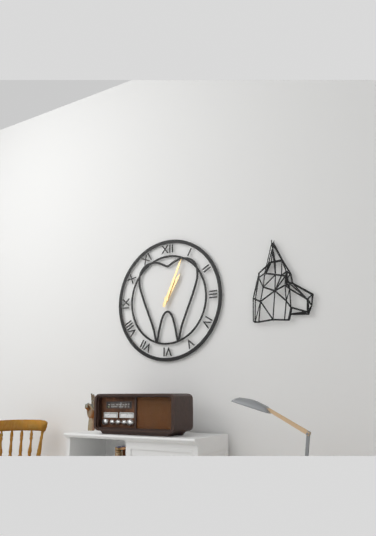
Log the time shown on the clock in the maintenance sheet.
1:04
